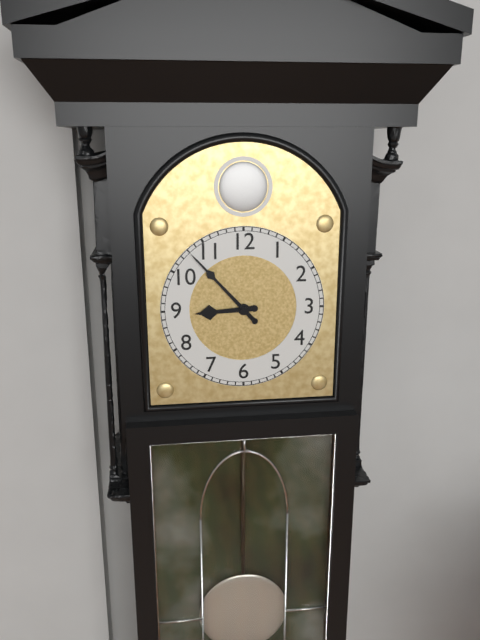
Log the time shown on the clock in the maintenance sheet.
8:53
